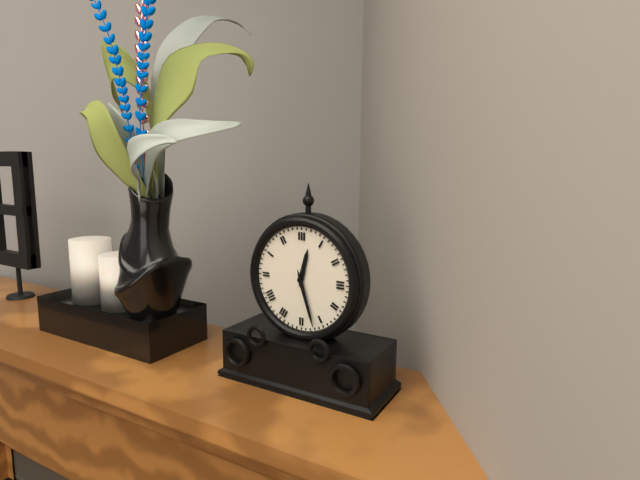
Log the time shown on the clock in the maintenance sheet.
12:27
